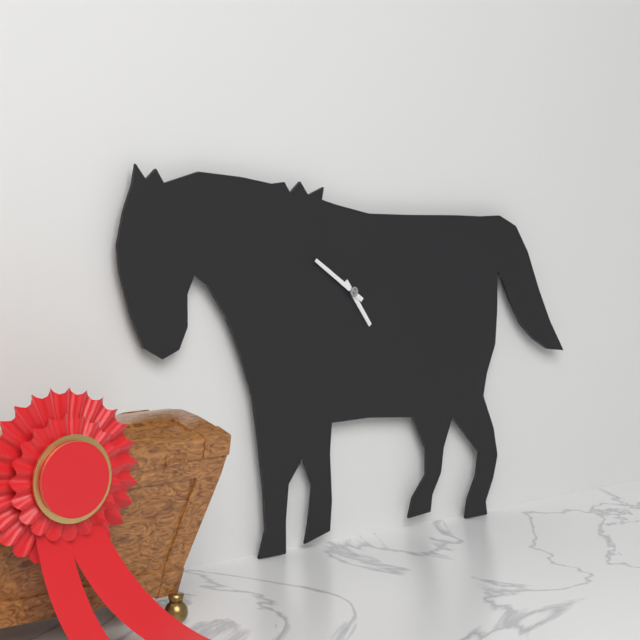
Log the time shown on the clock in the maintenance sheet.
4:51
